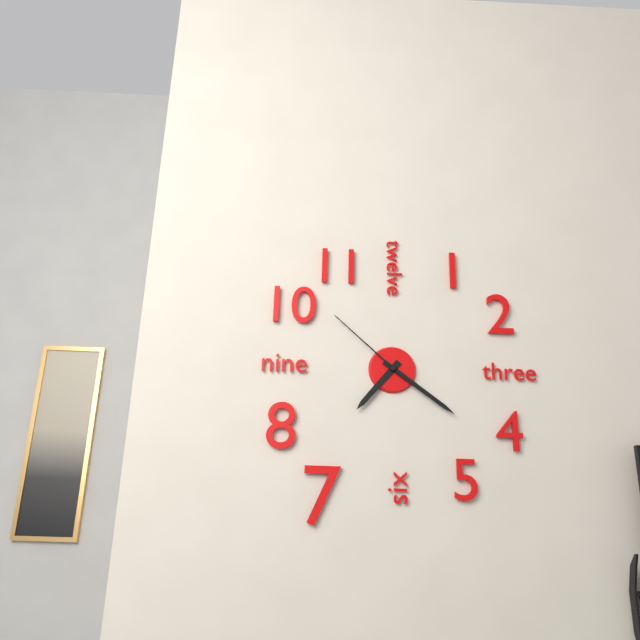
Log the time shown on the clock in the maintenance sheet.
7:21:52
